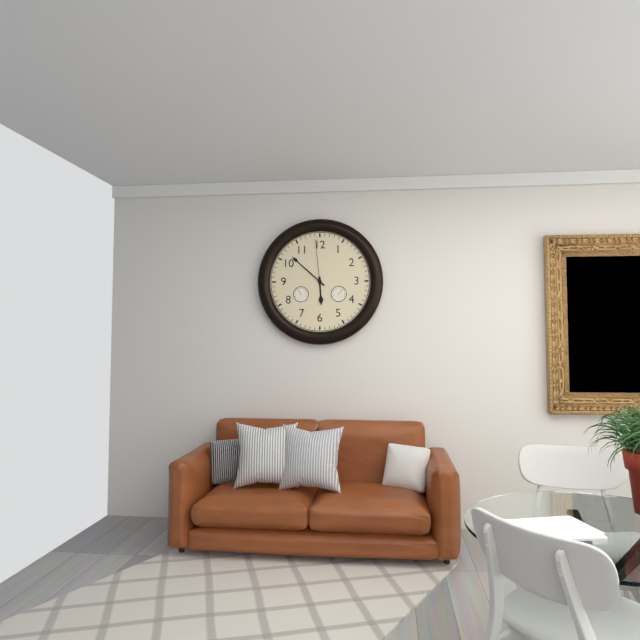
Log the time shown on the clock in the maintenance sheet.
5:52:59
